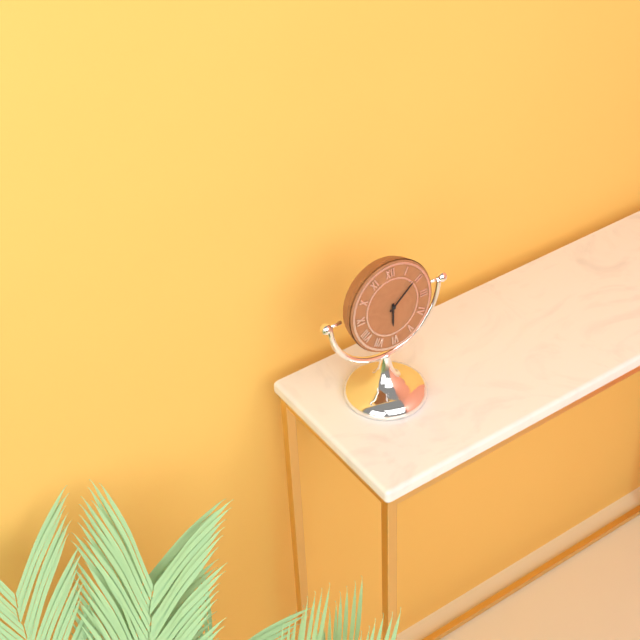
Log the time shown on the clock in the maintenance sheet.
6:09
